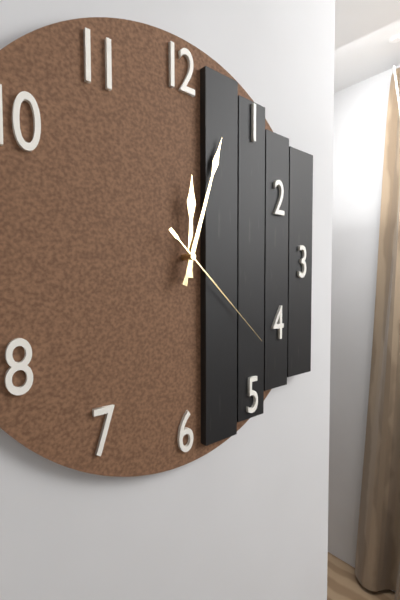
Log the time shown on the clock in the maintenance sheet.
12:03:22
